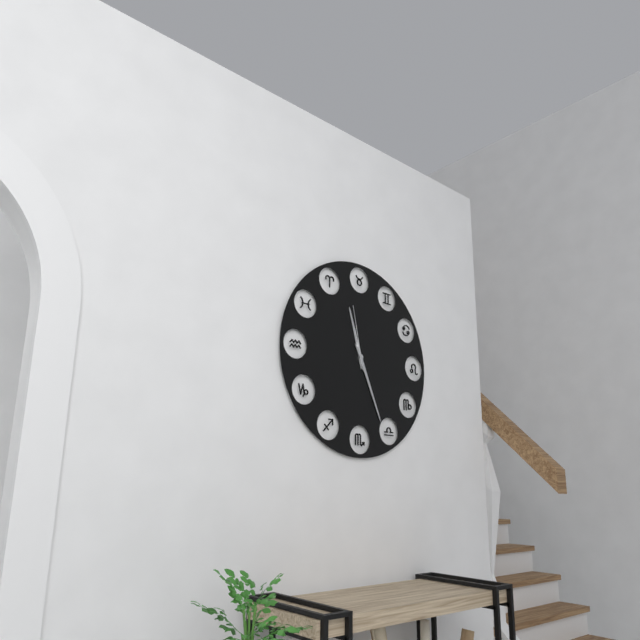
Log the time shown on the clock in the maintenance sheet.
11:26:58
